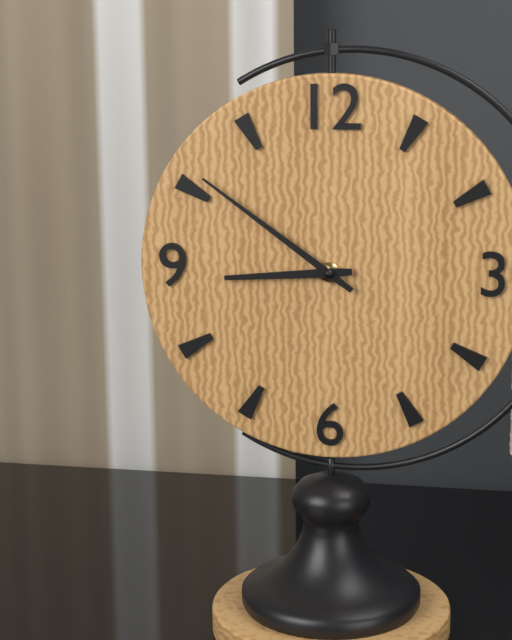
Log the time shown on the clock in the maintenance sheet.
8:51
